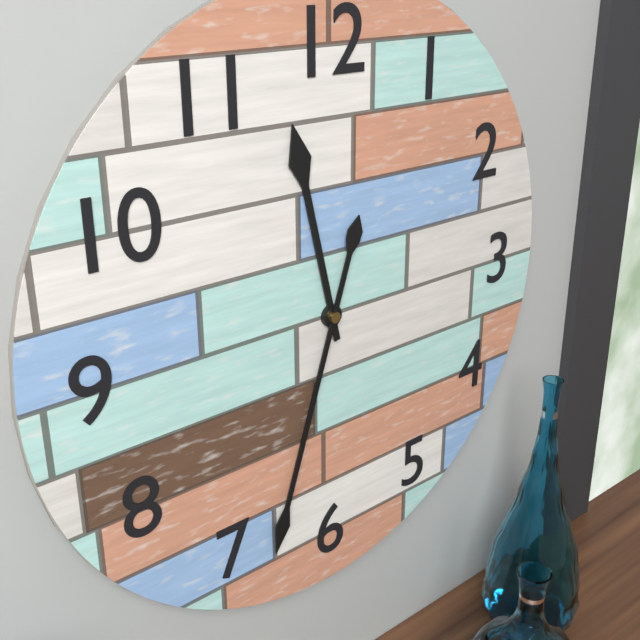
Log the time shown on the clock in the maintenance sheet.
11:33
